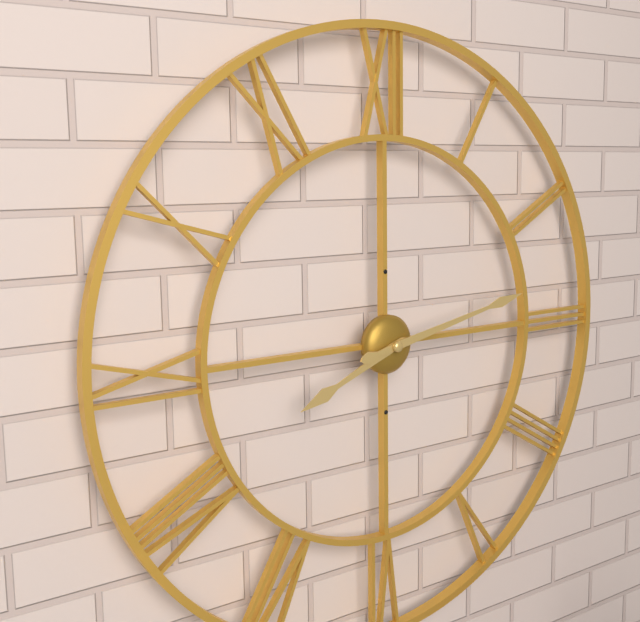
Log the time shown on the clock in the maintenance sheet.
8:13
